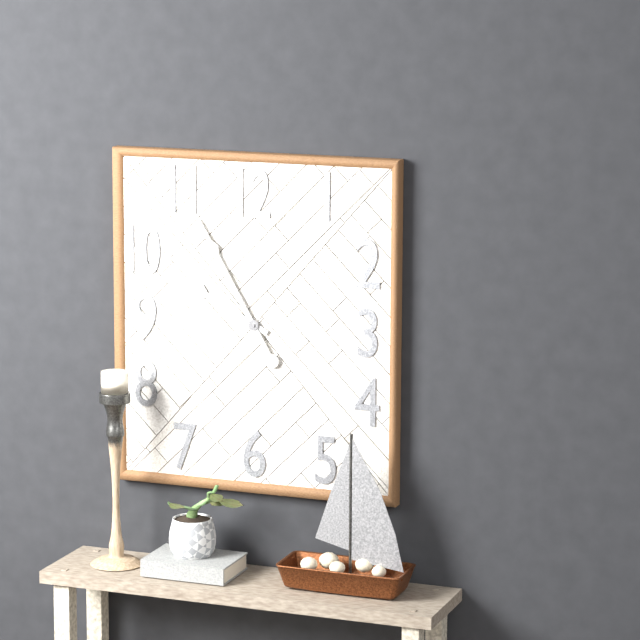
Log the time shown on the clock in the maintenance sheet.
9:55
